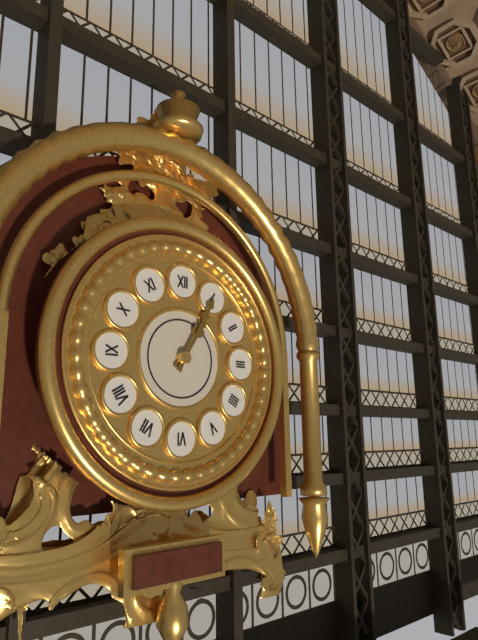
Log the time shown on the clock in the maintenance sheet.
1:05
